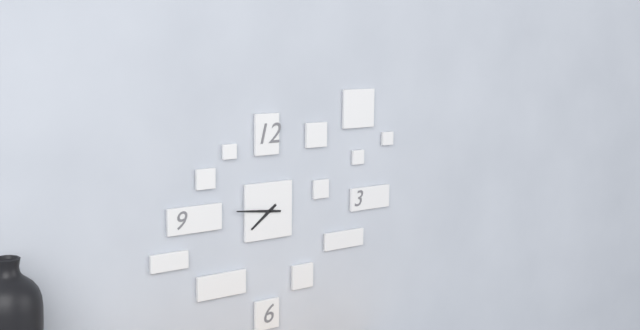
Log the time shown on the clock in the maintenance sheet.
7:46
